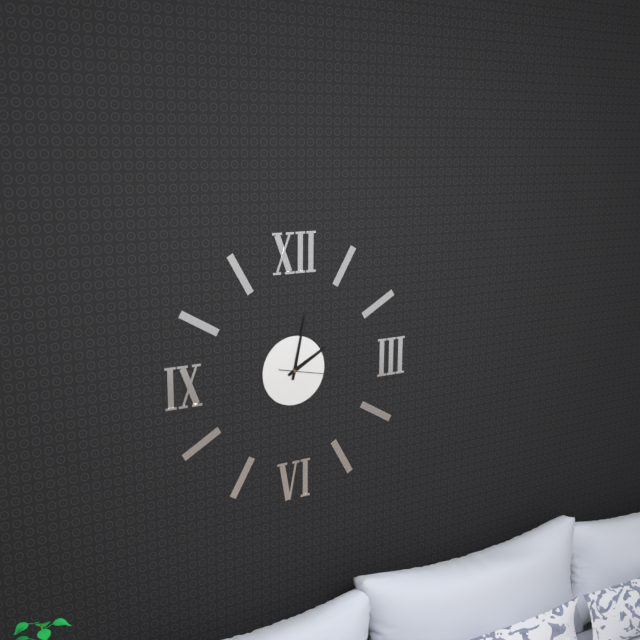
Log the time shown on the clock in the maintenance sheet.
2:02:17
